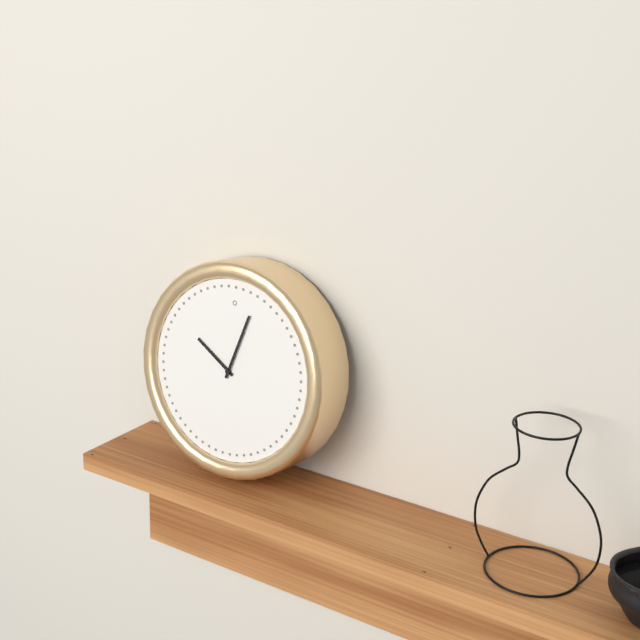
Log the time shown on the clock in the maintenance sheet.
10:03
